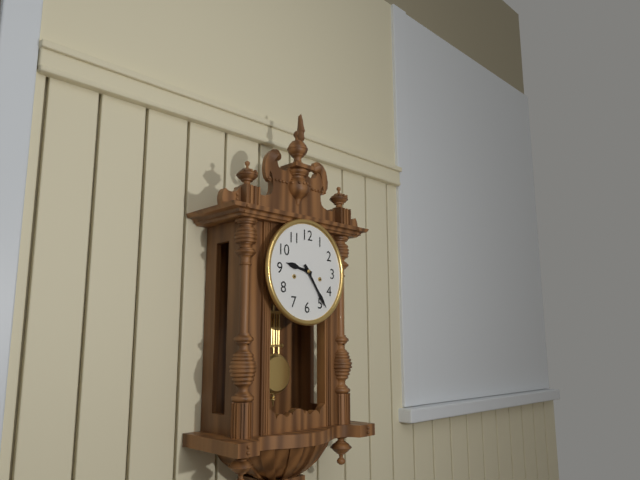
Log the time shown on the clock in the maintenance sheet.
9:24
